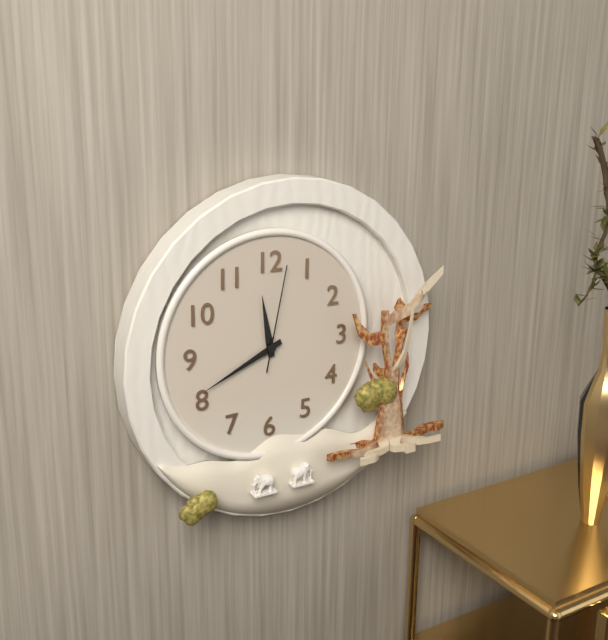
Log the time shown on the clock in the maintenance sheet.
11:41:02
